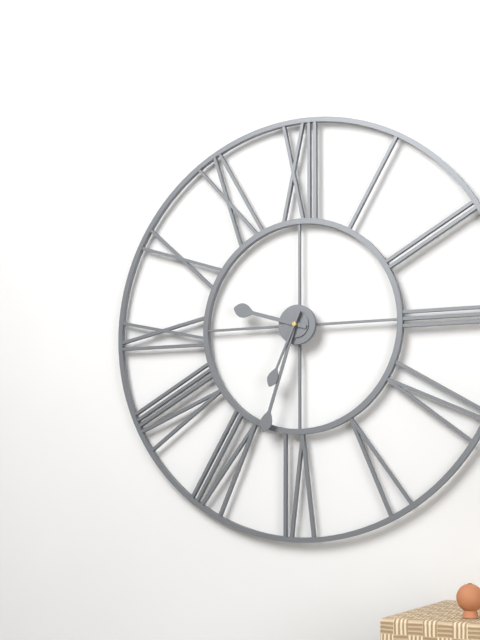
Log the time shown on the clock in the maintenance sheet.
9:33:34
